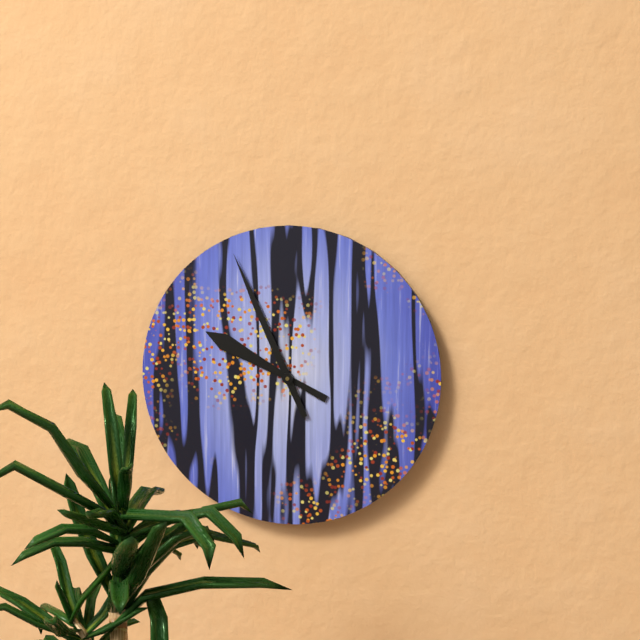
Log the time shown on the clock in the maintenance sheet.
9:56
